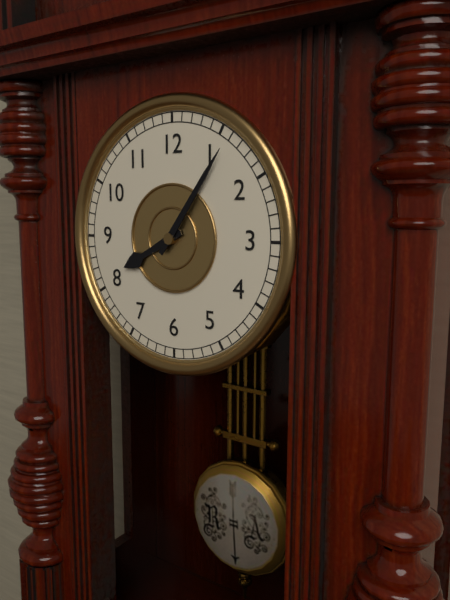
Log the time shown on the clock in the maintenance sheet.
8:06
